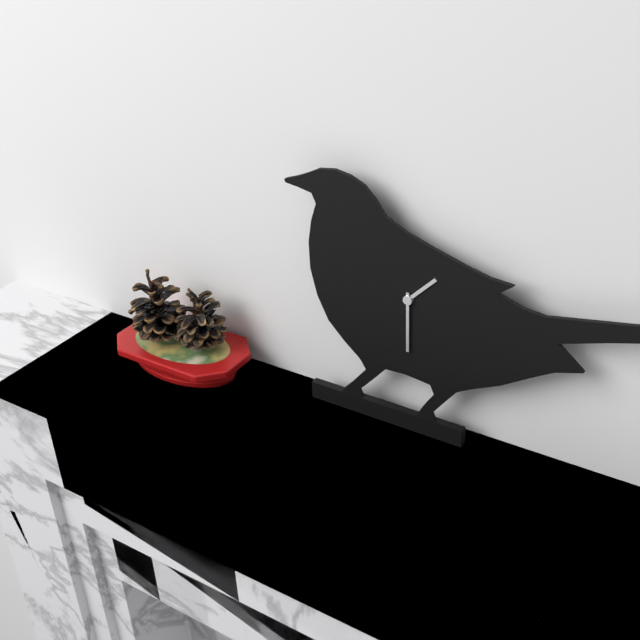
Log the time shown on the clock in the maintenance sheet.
1:30
